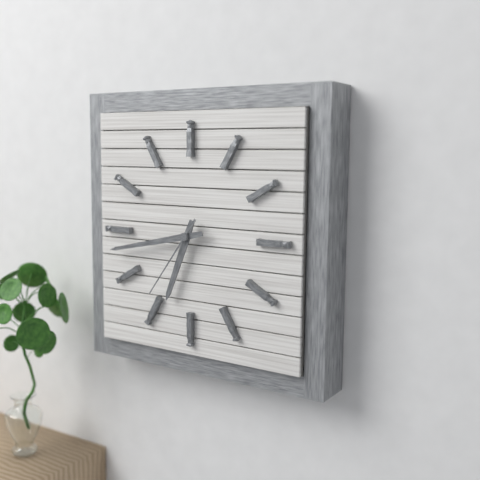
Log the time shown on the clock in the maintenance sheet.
6:43:36
